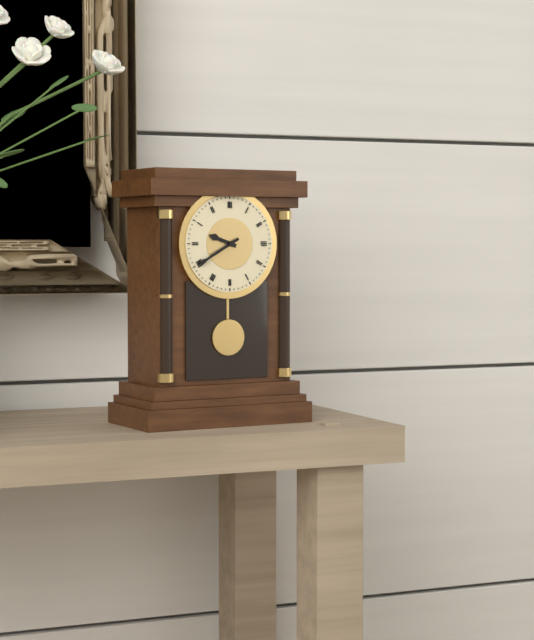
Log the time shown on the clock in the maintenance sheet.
9:40
